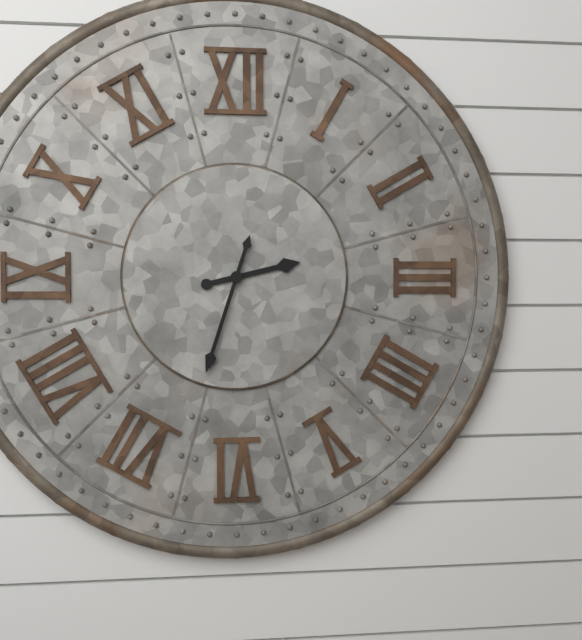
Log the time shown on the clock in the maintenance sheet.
2:33
